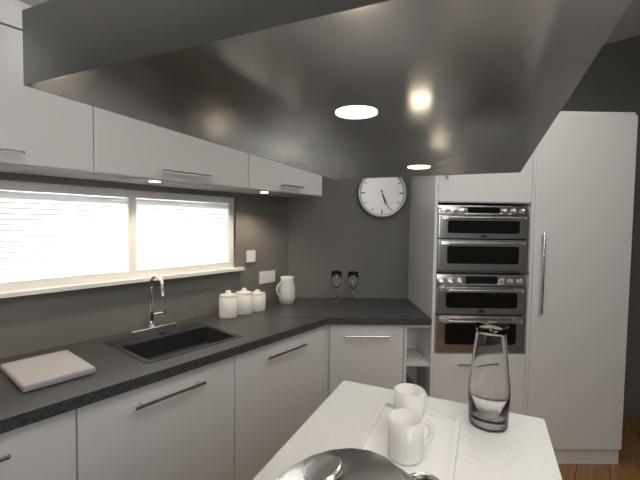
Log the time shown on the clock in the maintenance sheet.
5:26
